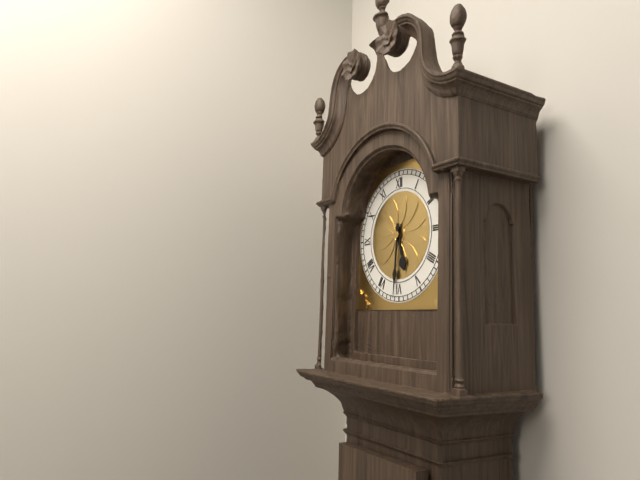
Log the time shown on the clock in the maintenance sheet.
5:31
